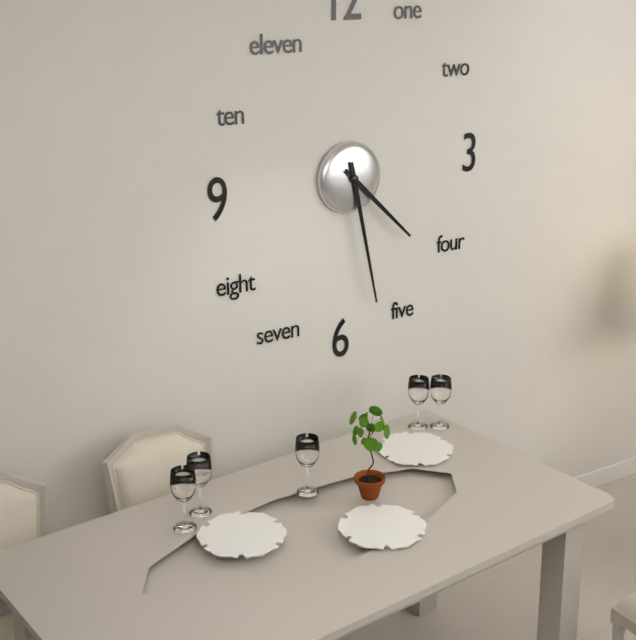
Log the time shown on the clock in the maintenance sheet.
4:28
